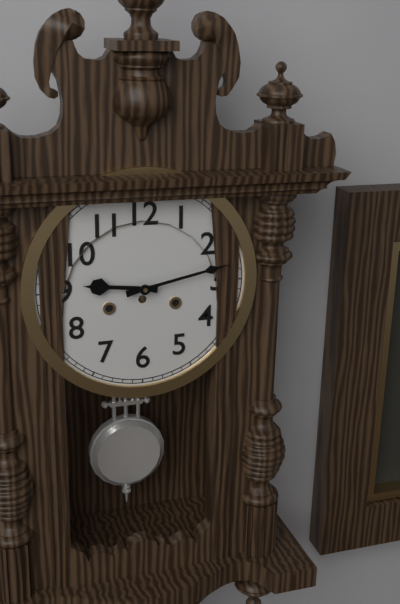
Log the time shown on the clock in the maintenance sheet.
9:13
